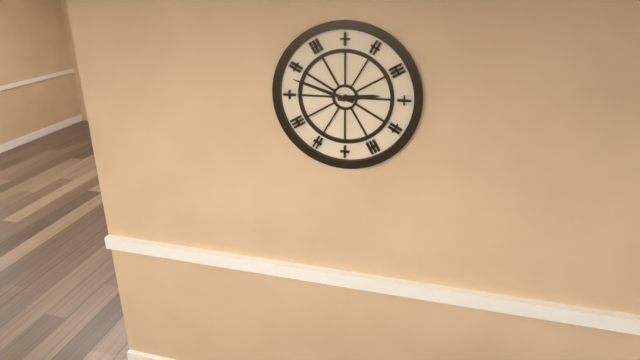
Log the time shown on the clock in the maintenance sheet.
2:48
